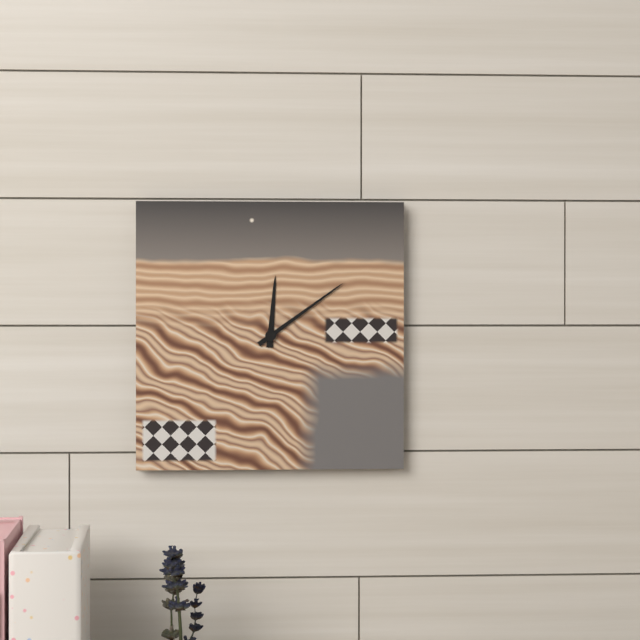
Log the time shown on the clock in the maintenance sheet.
12:09
